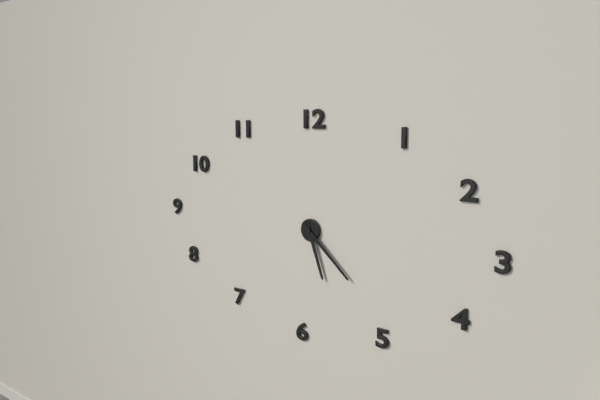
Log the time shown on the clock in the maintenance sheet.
5:22
